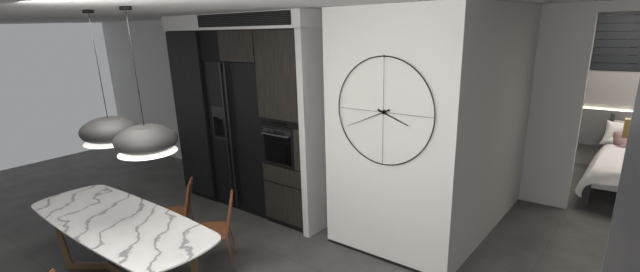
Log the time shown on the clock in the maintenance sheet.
3:41
